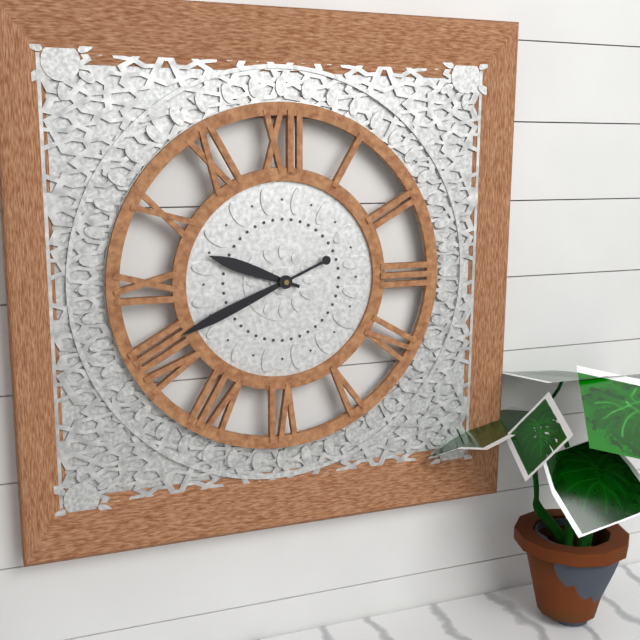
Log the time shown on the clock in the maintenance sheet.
9:41
